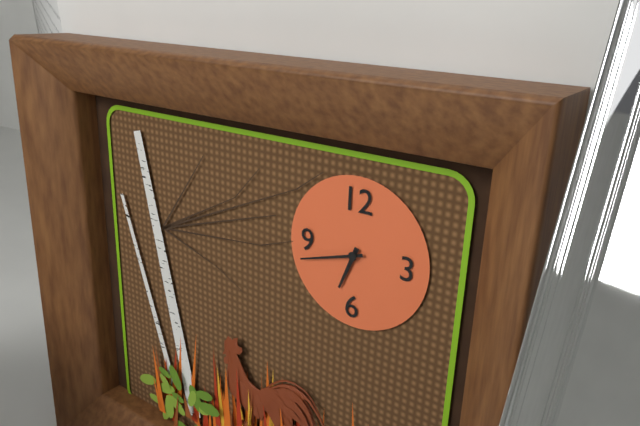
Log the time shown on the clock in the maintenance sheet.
6:42
